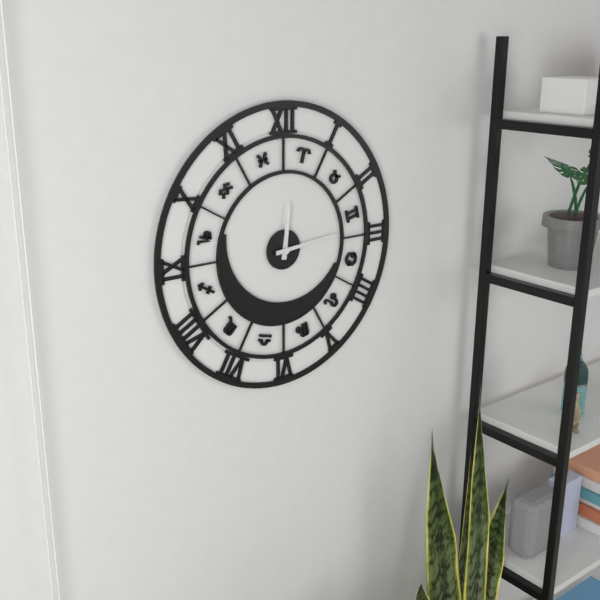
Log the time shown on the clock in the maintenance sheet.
12:14
